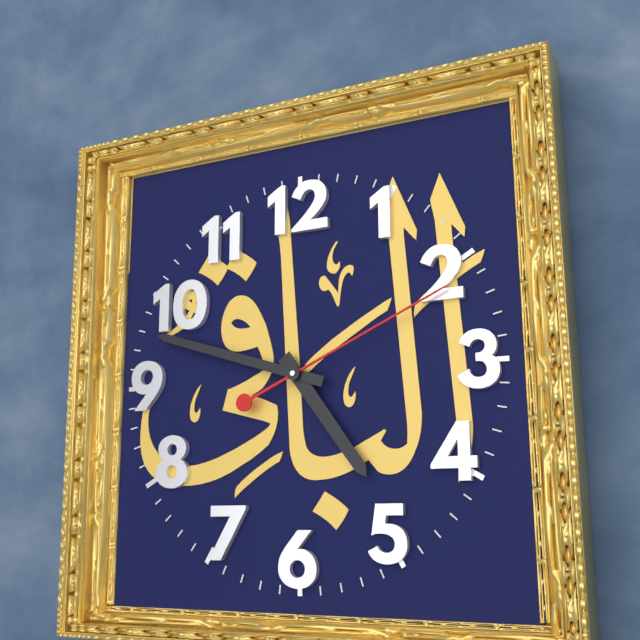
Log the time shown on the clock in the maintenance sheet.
4:48:11
